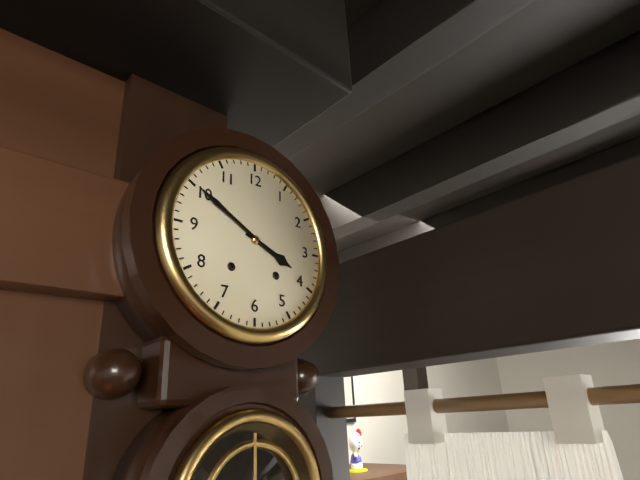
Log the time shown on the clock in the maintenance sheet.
3:50
